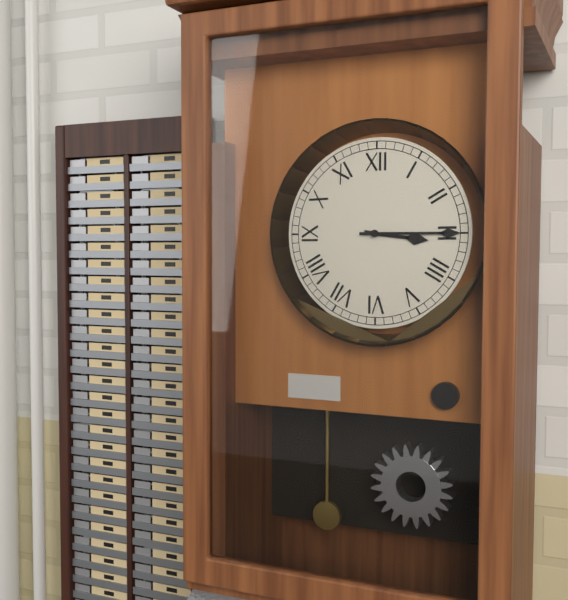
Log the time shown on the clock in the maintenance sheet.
3:15
